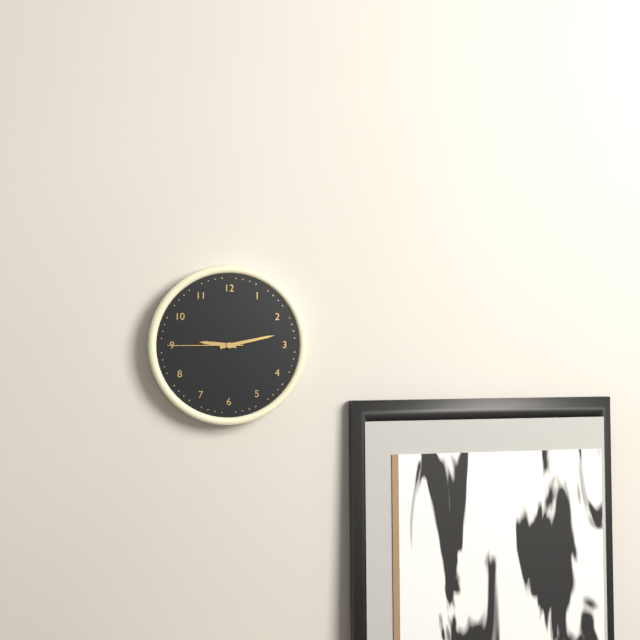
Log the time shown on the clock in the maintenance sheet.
9:13:45
